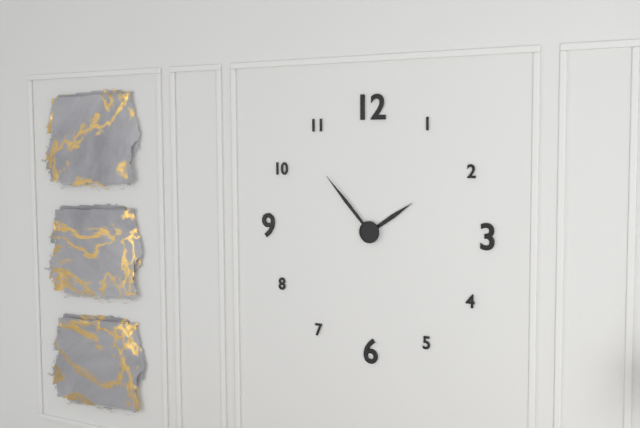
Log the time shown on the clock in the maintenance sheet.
1:53
